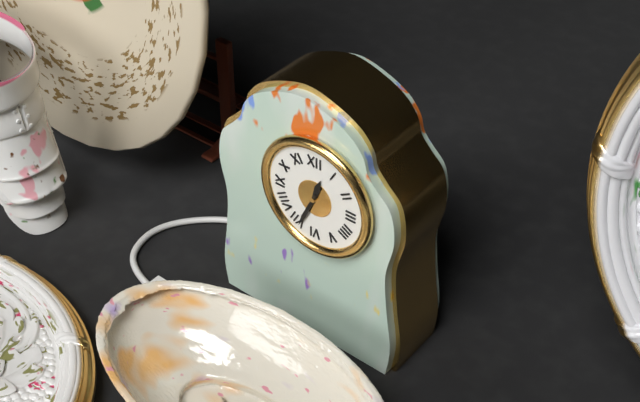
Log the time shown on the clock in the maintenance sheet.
12:34
